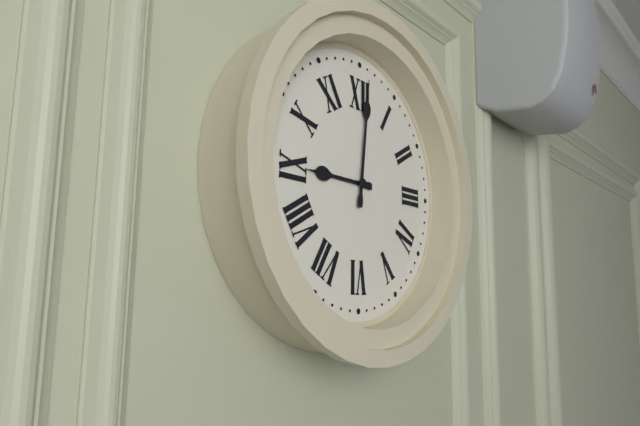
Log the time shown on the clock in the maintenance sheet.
9:01
